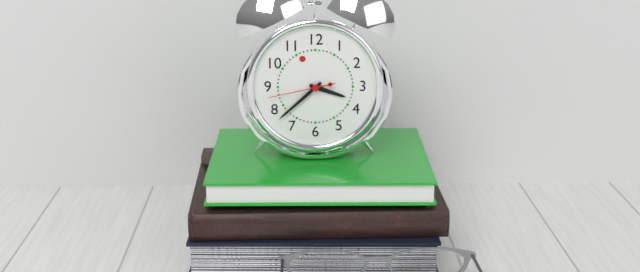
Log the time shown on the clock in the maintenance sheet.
3:38:43
